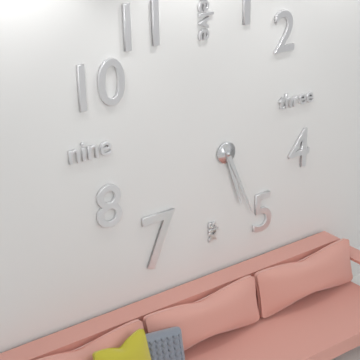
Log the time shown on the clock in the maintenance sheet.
5:26
